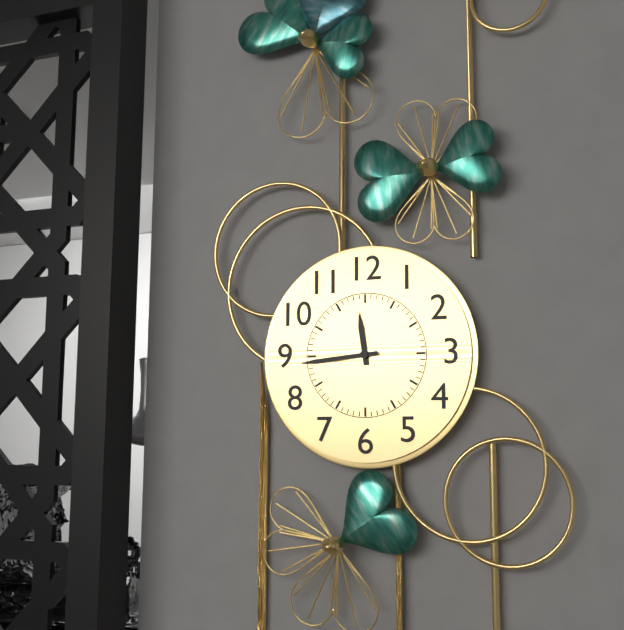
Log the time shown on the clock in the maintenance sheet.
11:44
